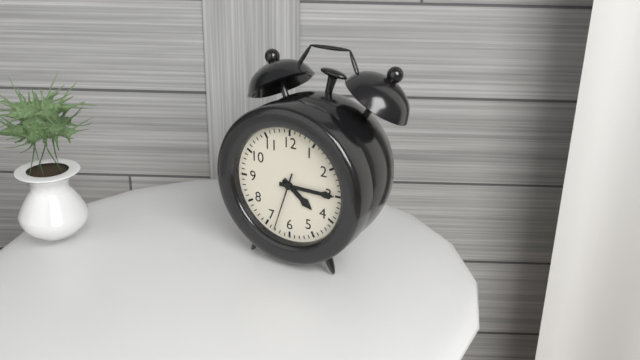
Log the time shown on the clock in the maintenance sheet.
4:15:33
